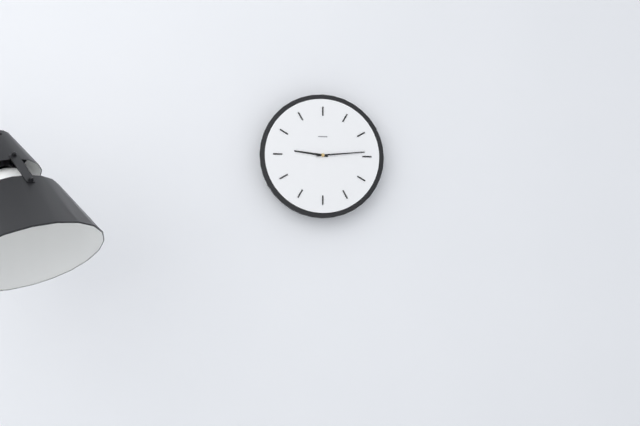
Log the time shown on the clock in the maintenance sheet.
9:14
